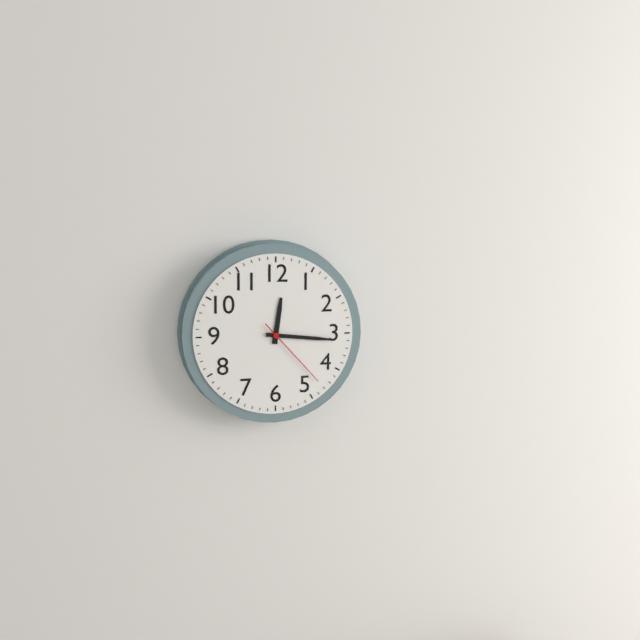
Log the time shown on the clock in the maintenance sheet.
12:16:23
